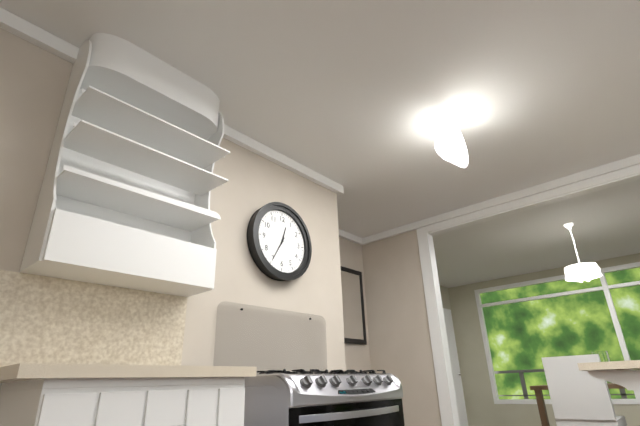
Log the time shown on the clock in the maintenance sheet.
12:35
